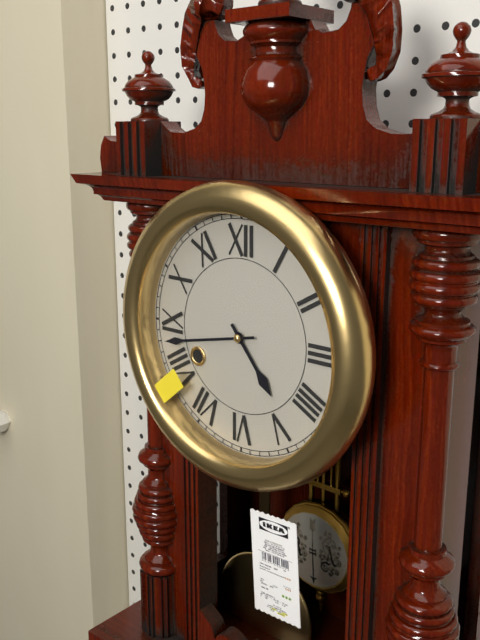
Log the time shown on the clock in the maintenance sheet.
4:43
